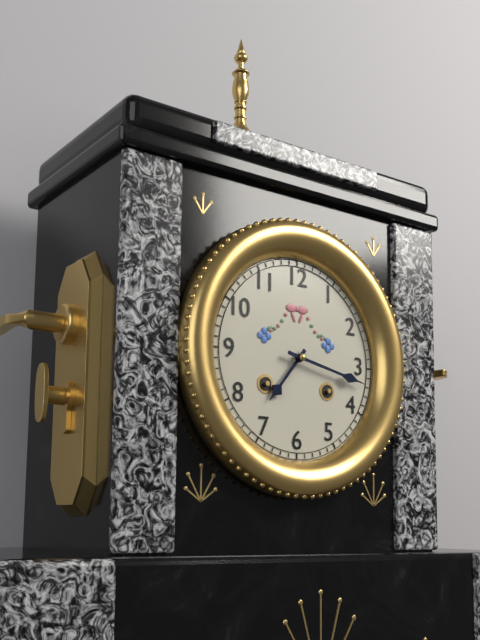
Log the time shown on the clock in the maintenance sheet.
7:17
